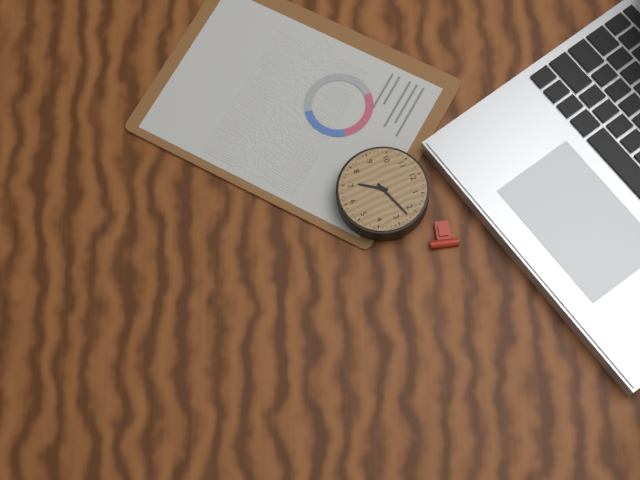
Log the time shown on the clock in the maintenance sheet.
7:12
